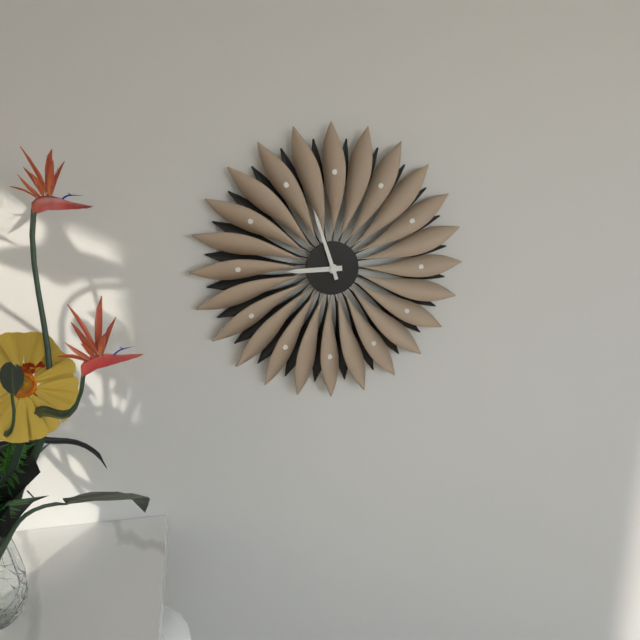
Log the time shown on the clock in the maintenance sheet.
8:57
